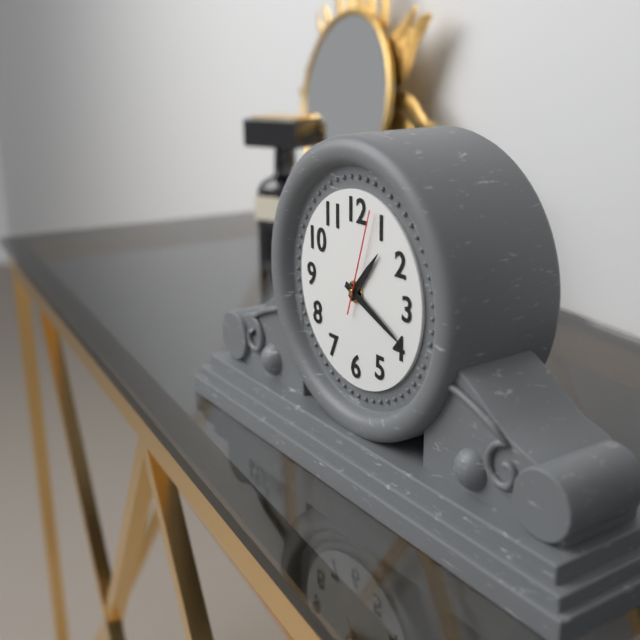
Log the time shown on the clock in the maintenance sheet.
1:19:03
